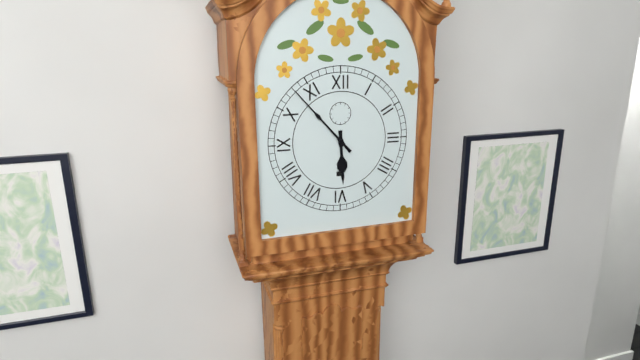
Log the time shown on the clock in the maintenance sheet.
5:53
